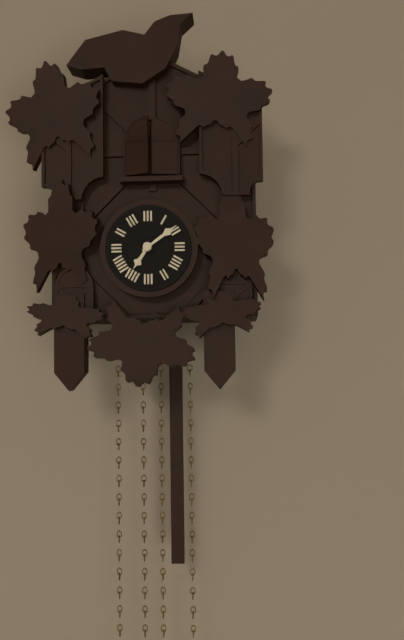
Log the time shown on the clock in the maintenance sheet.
7:09
